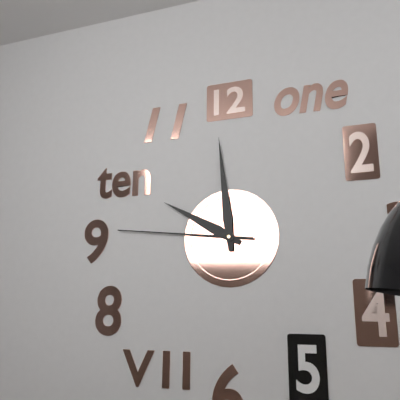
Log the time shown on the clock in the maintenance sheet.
9:59:46
